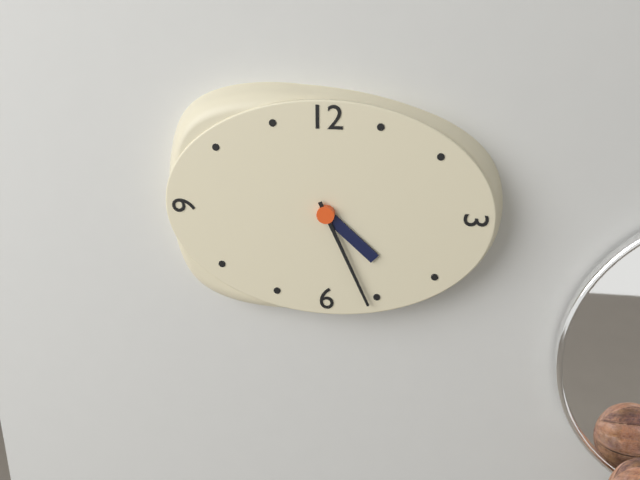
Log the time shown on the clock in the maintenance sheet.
4:26
